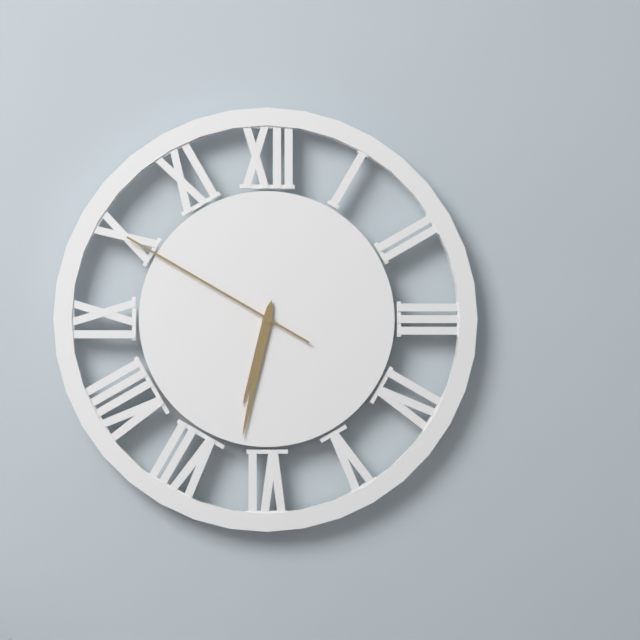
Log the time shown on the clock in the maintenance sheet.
6:32:50
